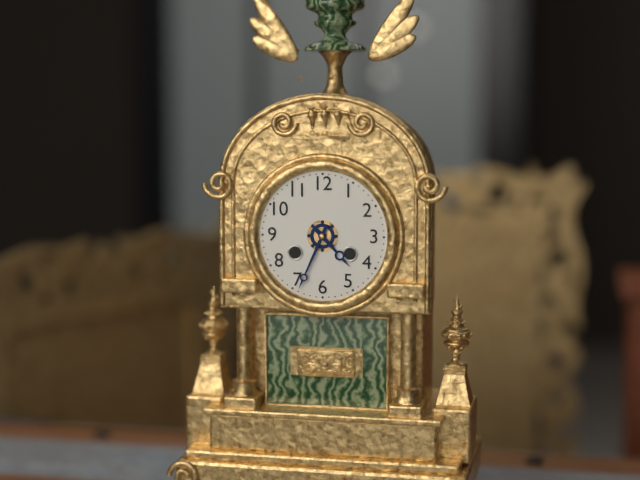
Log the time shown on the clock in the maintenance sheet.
4:34
